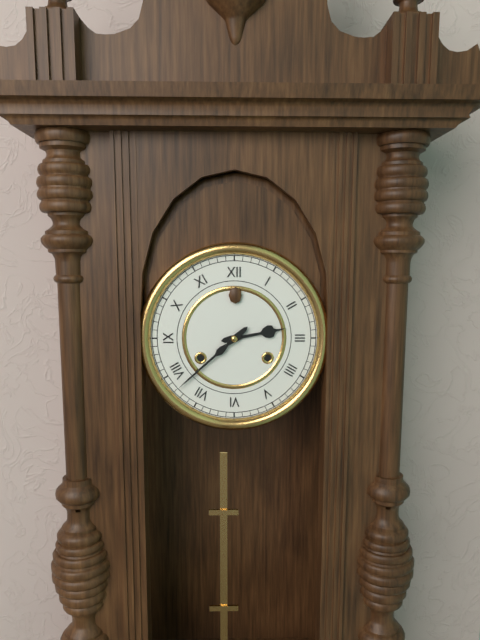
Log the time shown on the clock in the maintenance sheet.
2:38
